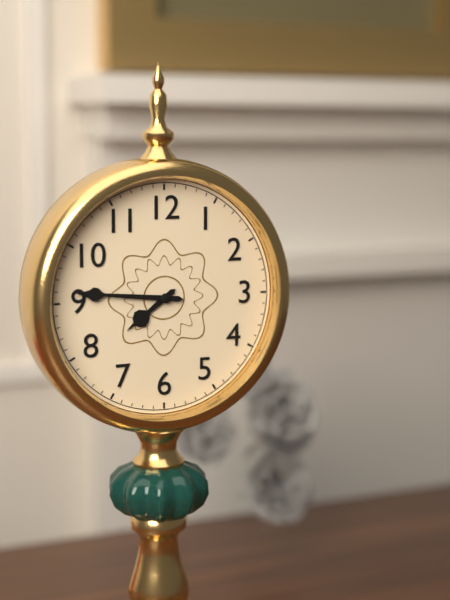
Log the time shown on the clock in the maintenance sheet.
7:46
